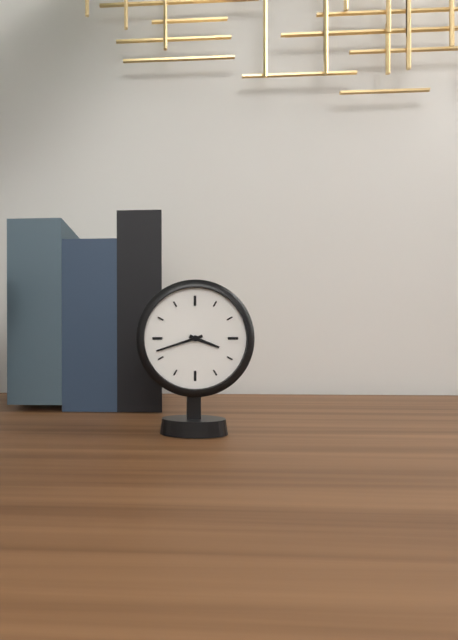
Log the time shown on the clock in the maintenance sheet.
3:42
